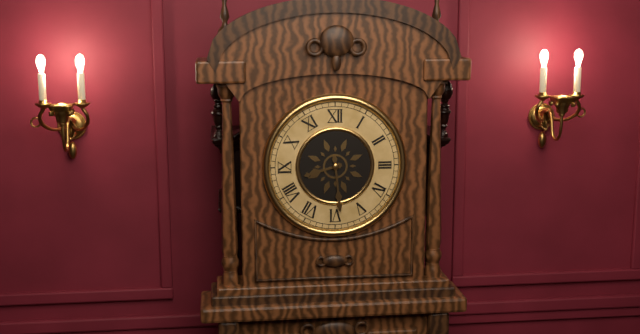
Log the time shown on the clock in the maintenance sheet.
8:29
